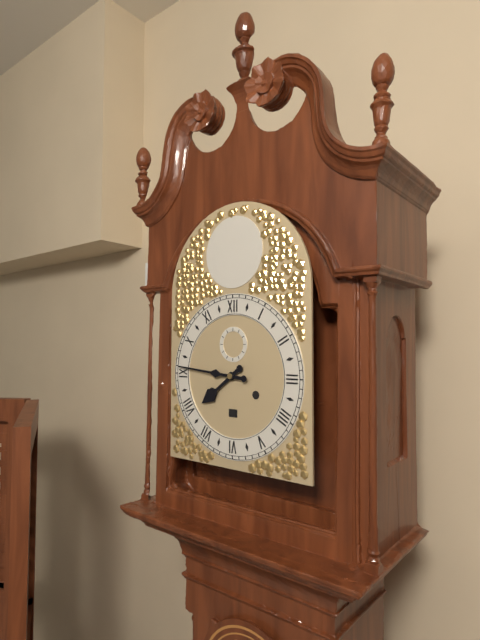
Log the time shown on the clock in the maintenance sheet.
7:46
